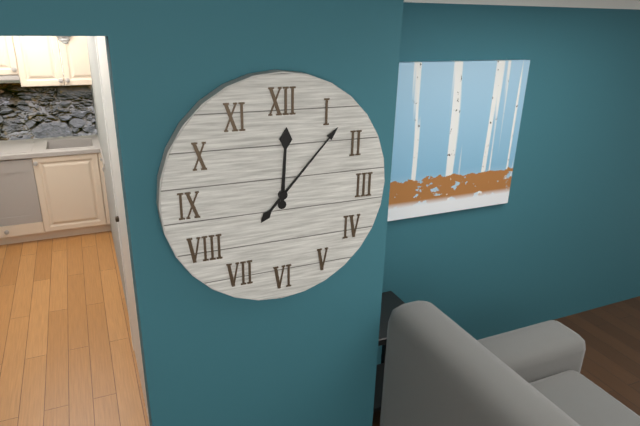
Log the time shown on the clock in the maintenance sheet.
12:07
